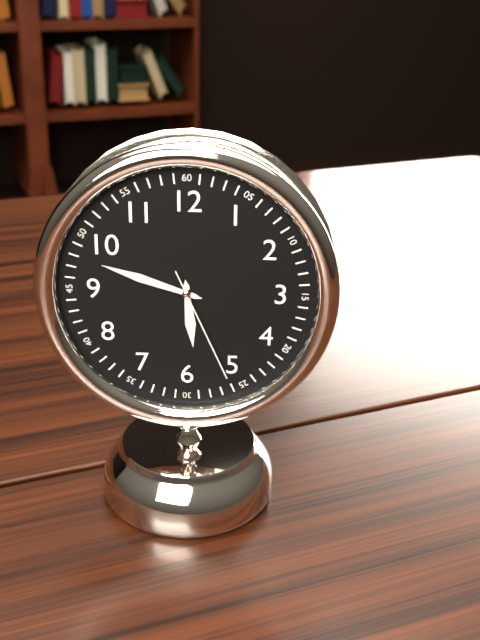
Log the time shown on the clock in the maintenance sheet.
5:48:26
